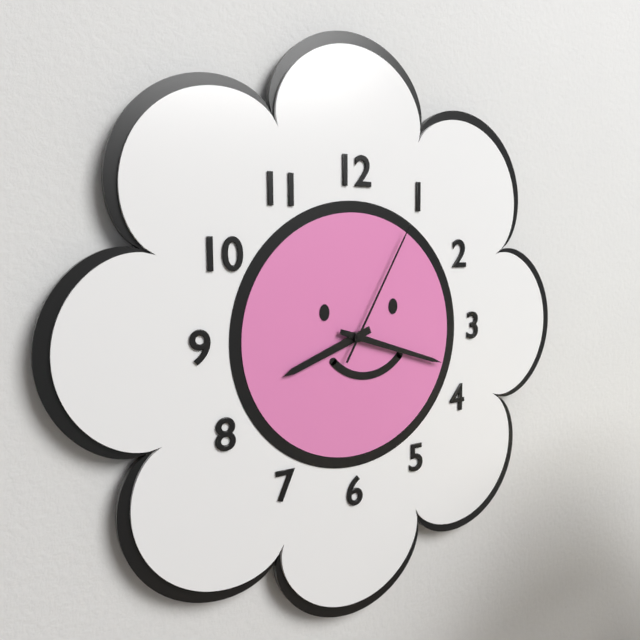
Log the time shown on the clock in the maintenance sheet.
8:18:05
